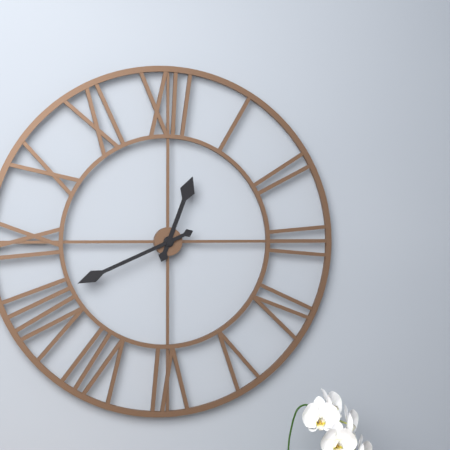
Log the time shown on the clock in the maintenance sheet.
12:41
